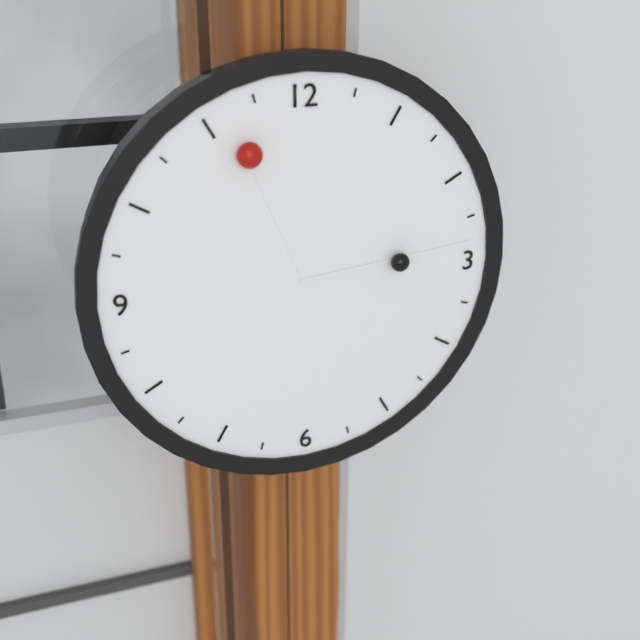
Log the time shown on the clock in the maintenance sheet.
11:14
